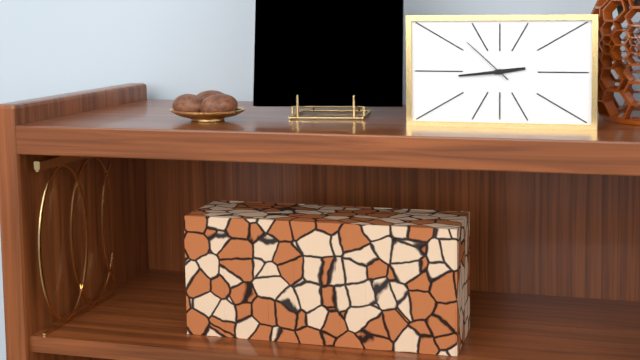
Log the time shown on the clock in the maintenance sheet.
2:44:52
